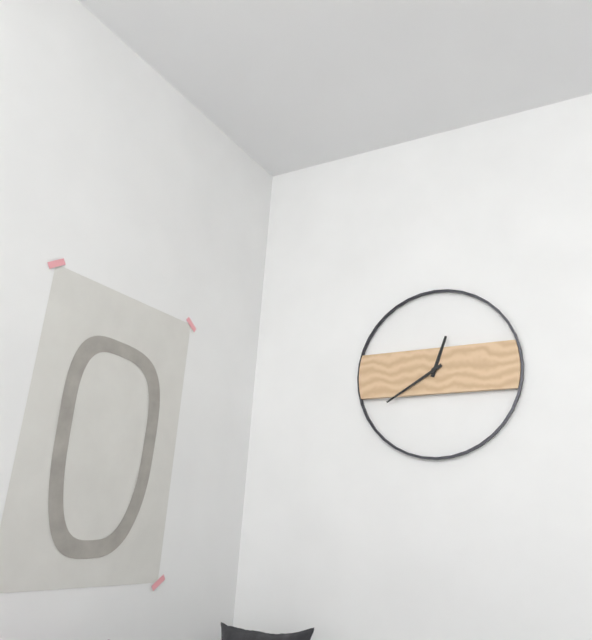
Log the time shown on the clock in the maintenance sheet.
12:40
